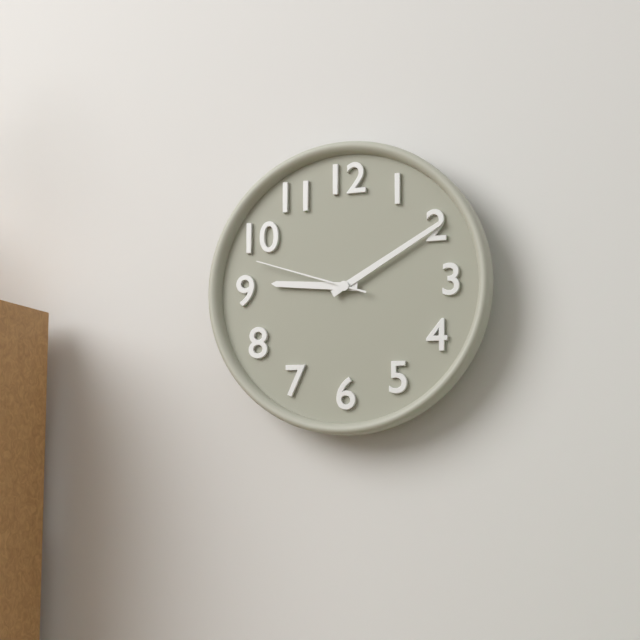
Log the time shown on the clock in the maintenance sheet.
9:10:48
